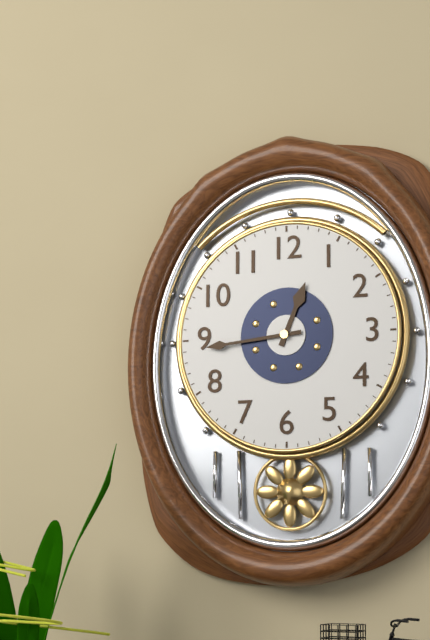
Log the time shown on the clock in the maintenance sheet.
12:44
